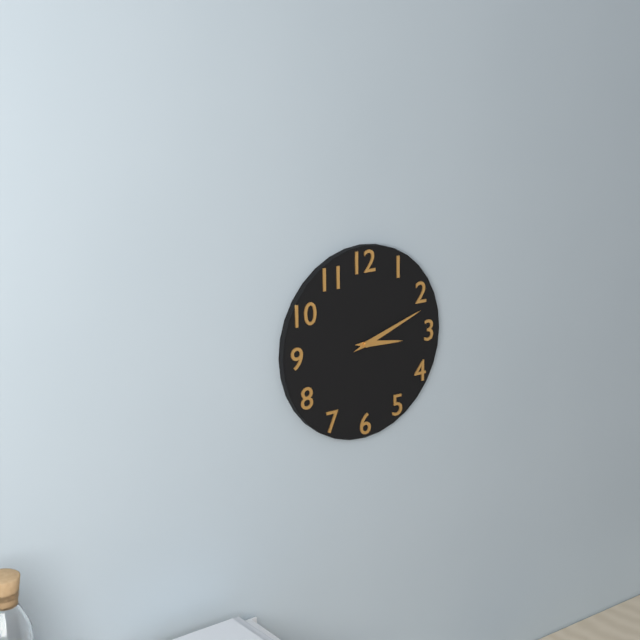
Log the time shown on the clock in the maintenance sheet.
3:12
